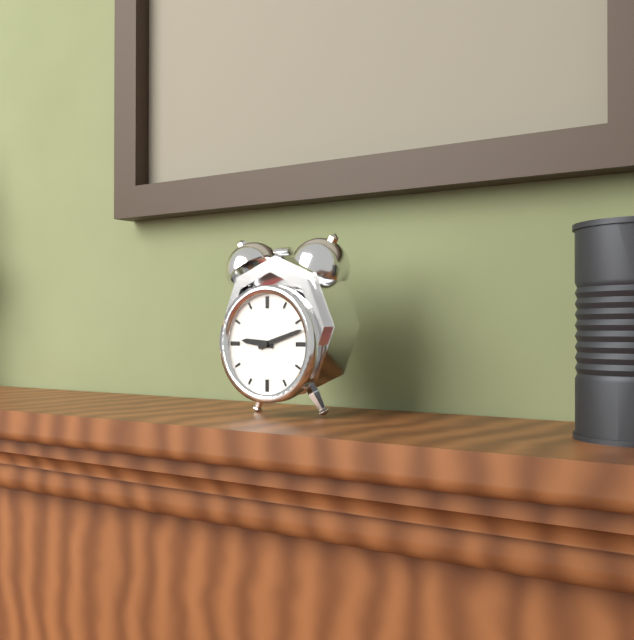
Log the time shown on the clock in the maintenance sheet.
9:12
